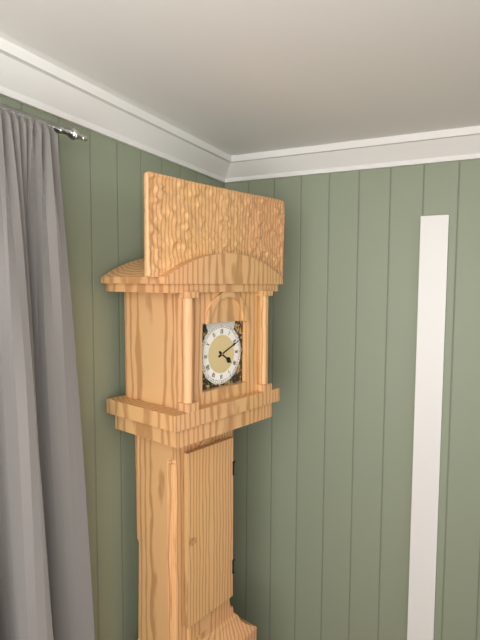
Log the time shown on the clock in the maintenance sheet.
4:11
